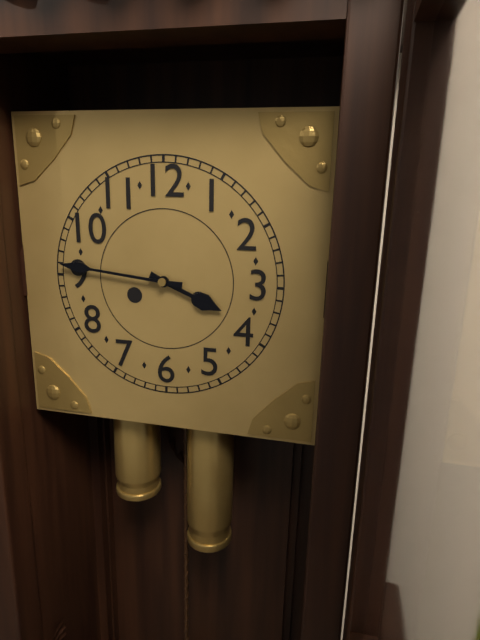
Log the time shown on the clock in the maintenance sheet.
3:46
